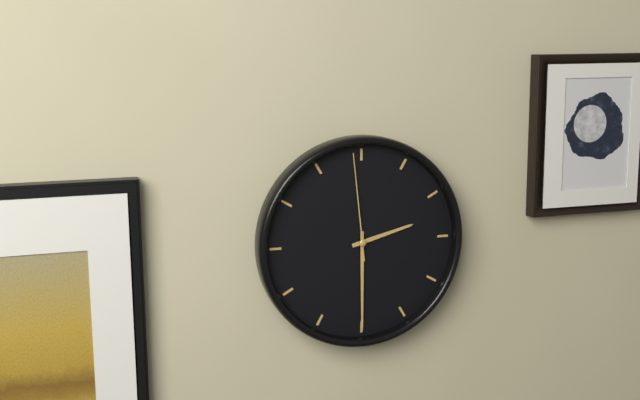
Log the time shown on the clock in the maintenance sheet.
2:30:59
